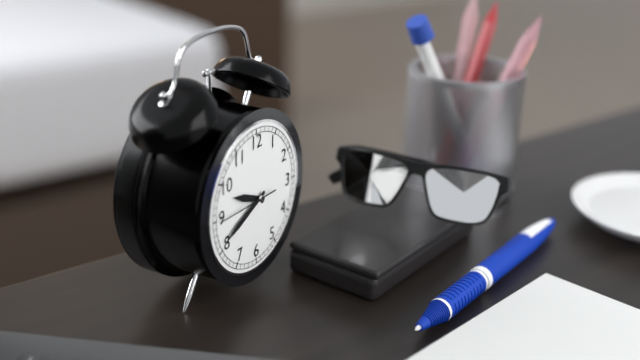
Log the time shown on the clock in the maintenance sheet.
9:41:45
